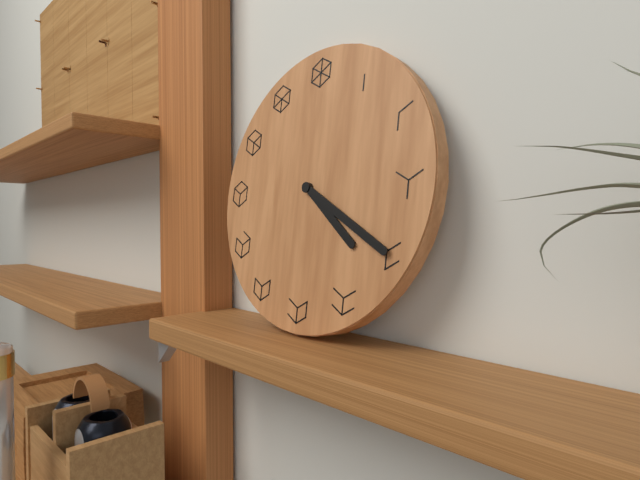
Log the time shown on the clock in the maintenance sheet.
4:20
